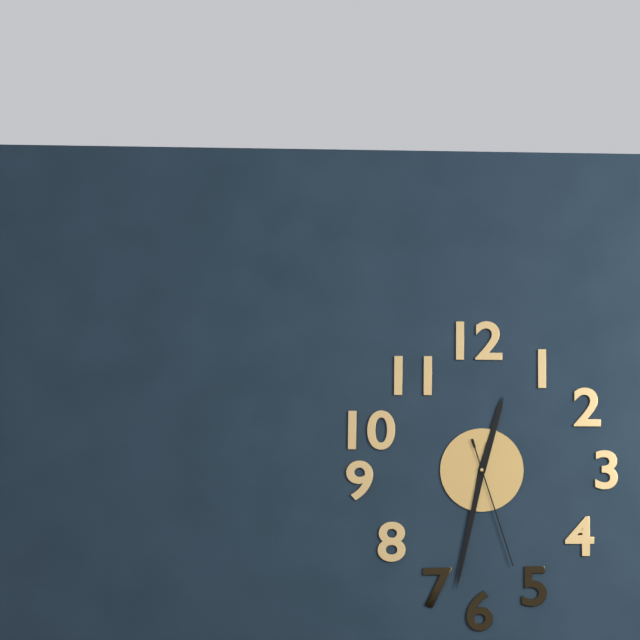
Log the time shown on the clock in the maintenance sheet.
12:32:27
